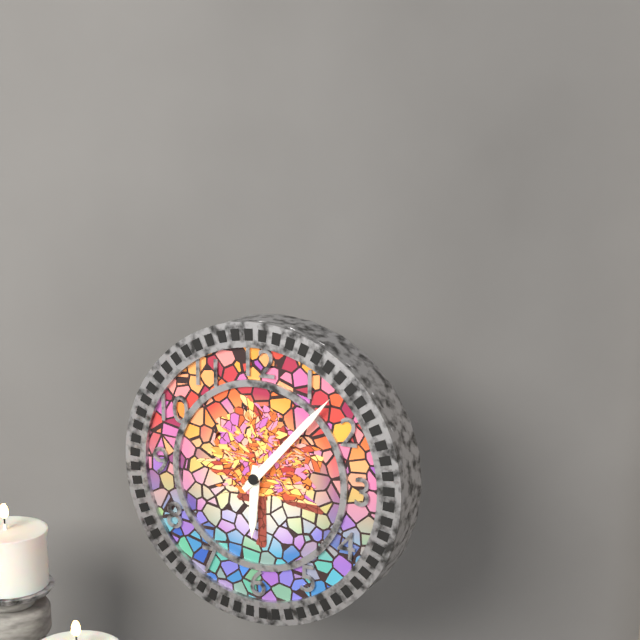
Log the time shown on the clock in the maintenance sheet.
6:07
